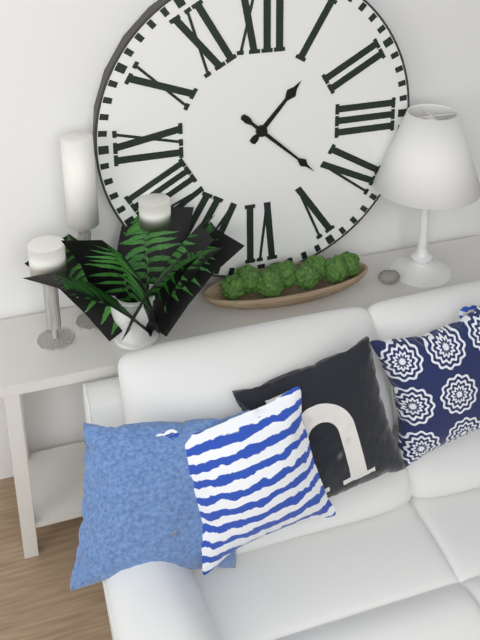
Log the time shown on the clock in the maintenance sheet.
1:22
